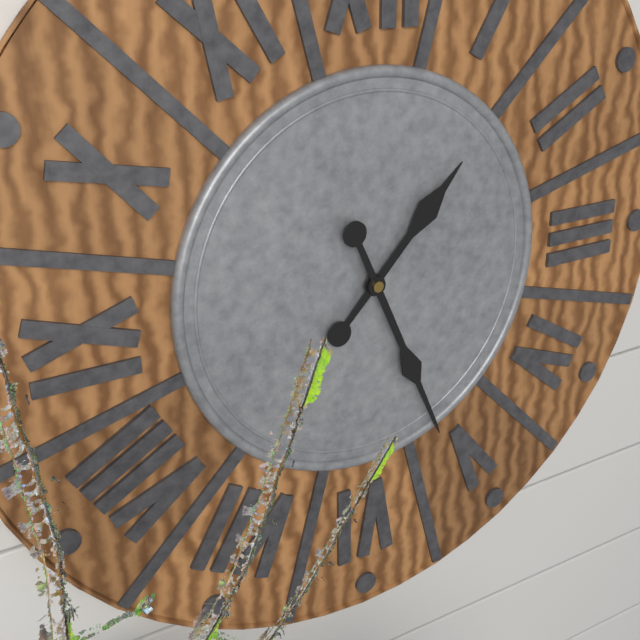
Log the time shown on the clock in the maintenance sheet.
1:26
